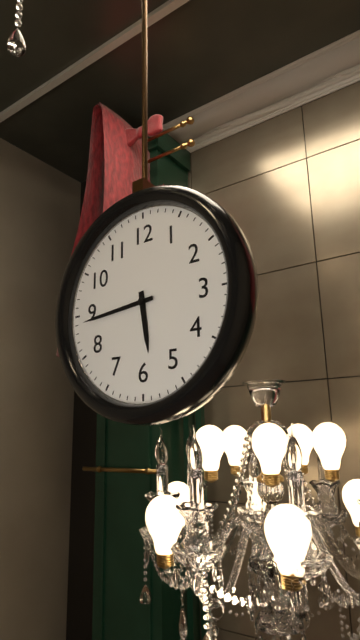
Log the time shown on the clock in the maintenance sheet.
5:44
